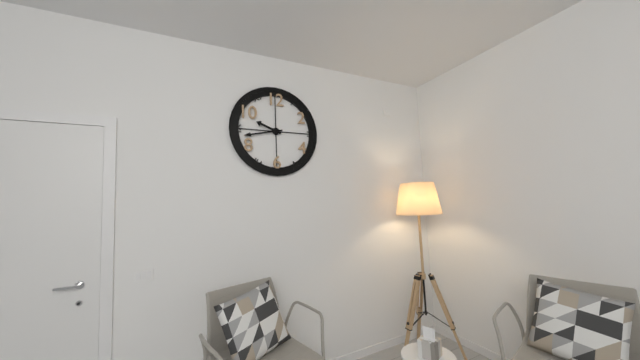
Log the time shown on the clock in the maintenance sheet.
9:43
